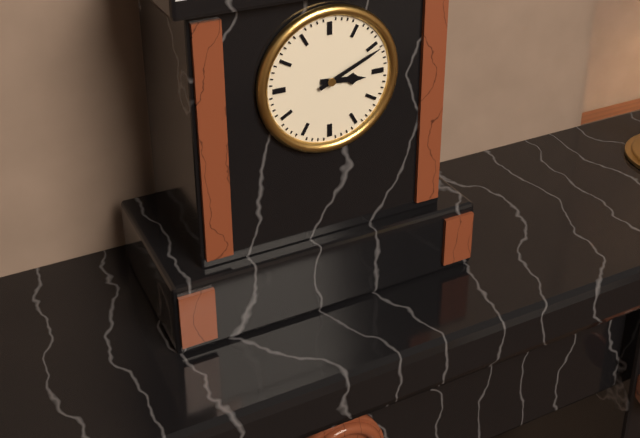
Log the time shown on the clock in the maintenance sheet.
3:11
